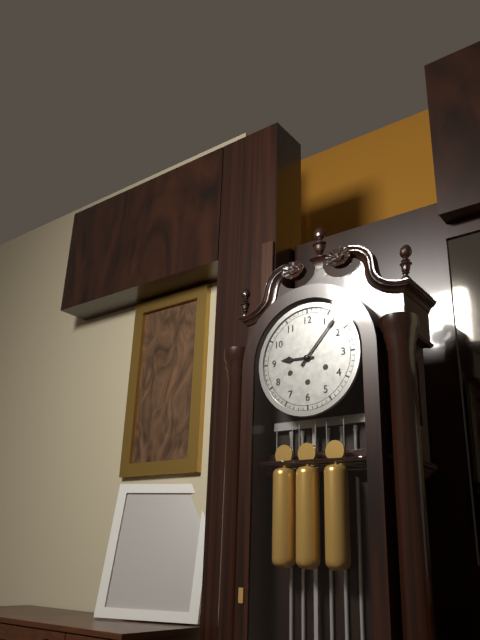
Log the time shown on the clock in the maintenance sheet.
9:07
